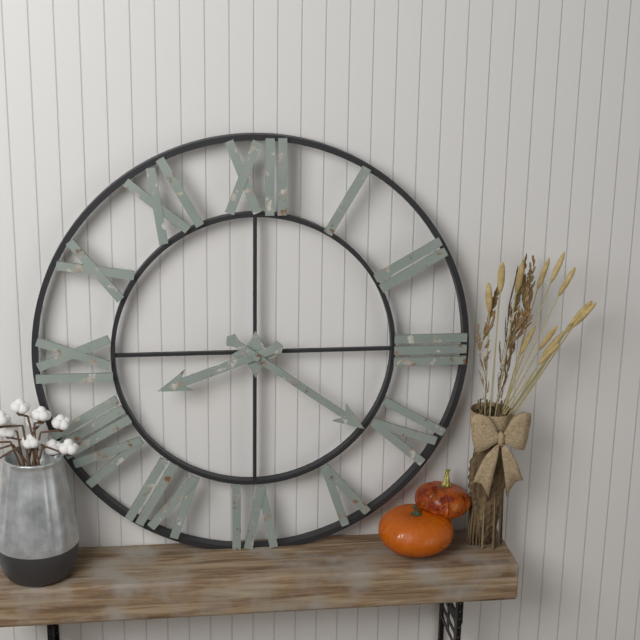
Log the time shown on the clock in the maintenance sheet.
8:21
